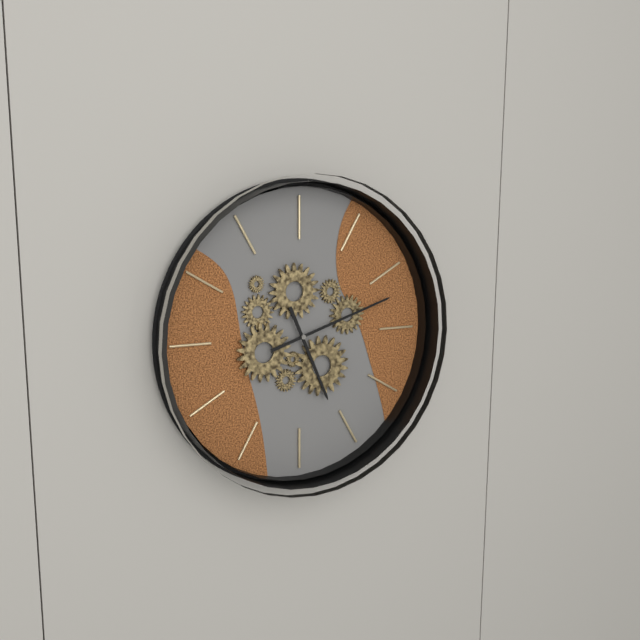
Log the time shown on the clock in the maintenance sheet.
5:12
